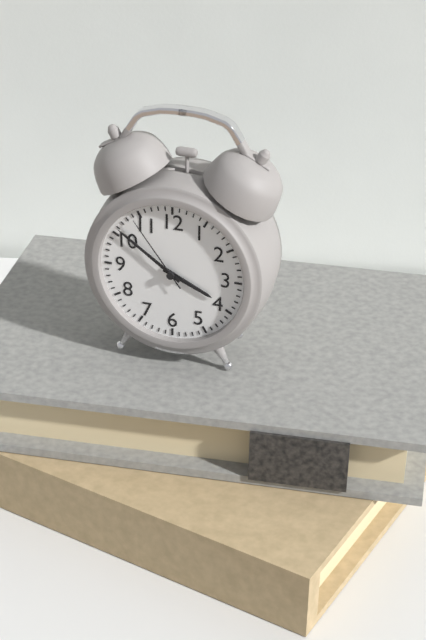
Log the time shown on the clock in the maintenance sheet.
3:51:54
